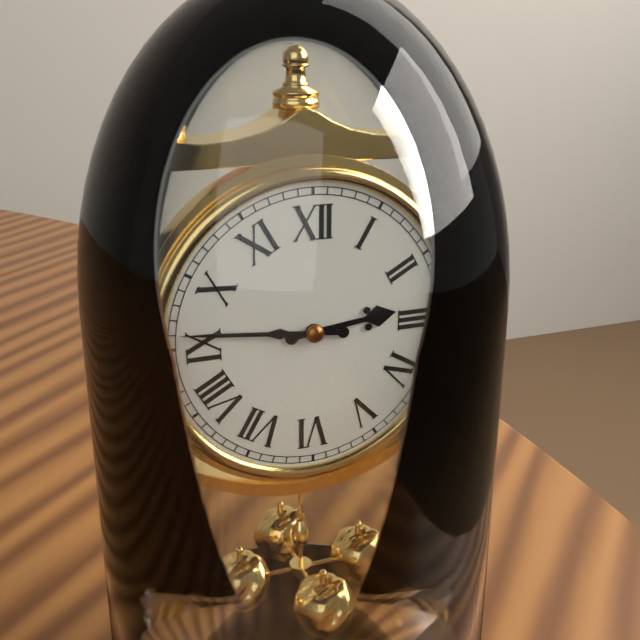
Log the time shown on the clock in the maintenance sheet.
2:46
